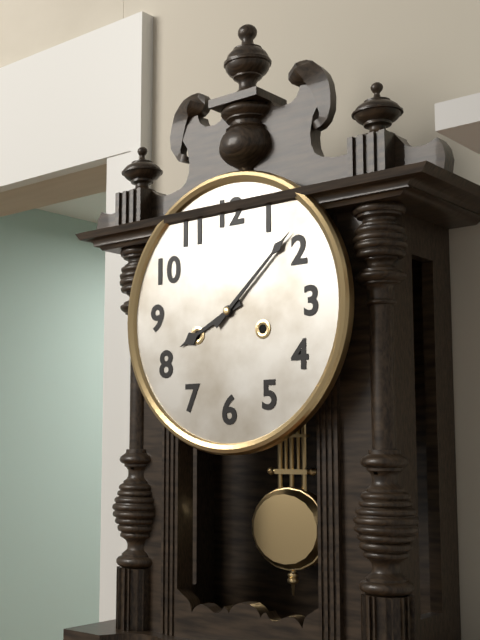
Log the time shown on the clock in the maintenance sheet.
8:08
